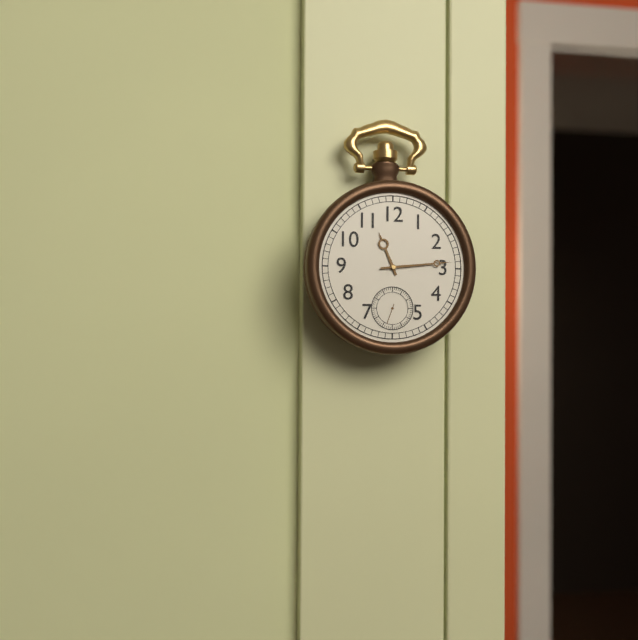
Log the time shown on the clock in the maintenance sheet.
11:14
